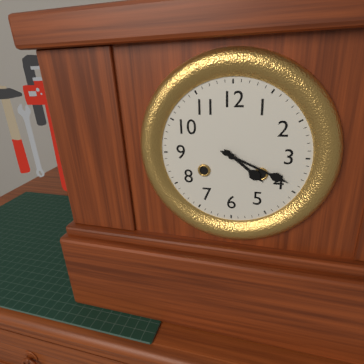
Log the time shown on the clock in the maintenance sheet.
4:19
